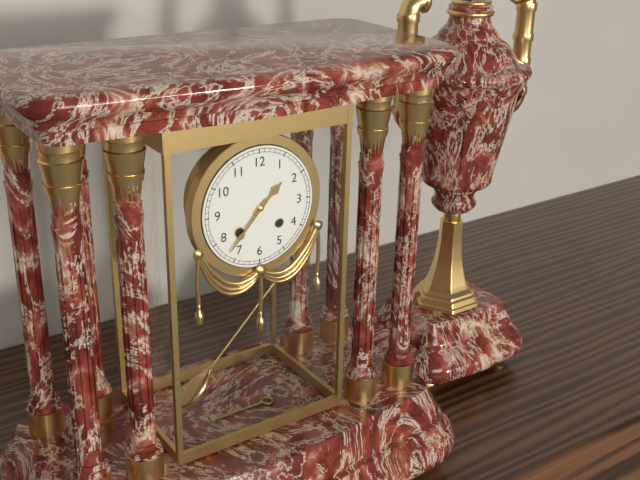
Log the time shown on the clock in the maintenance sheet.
1:37
